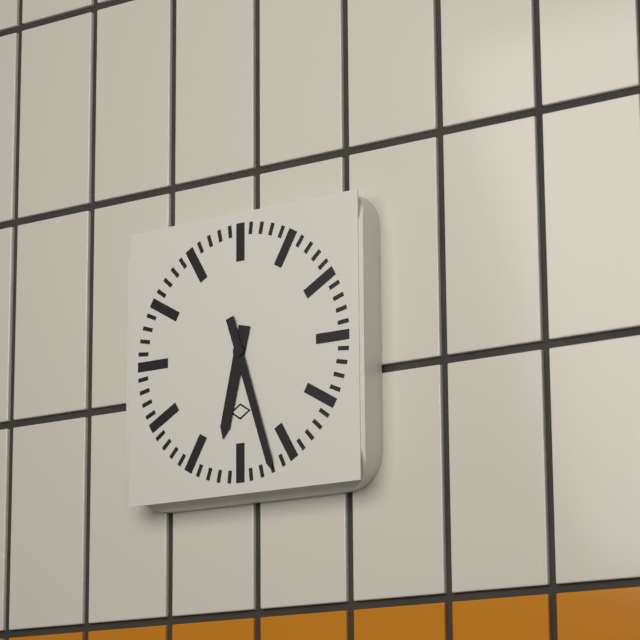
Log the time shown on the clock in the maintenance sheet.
6:27
